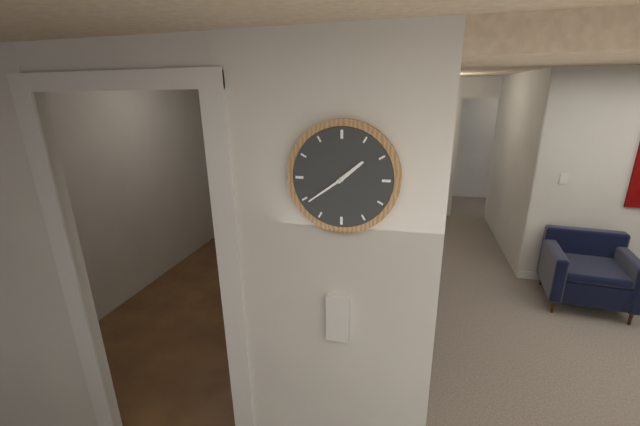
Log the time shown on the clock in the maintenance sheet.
1:39
